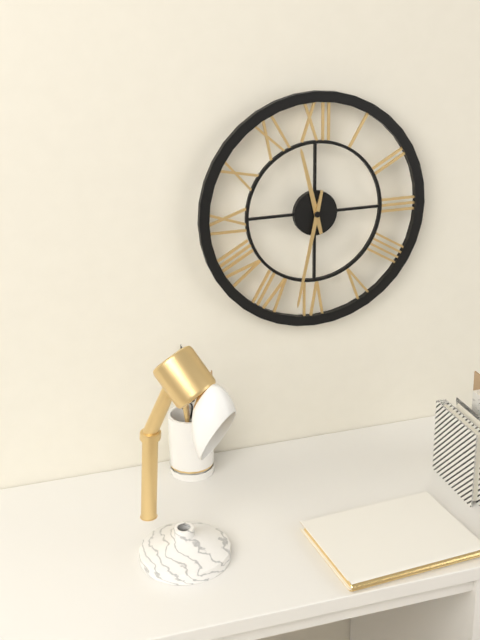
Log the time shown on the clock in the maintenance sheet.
11:32
